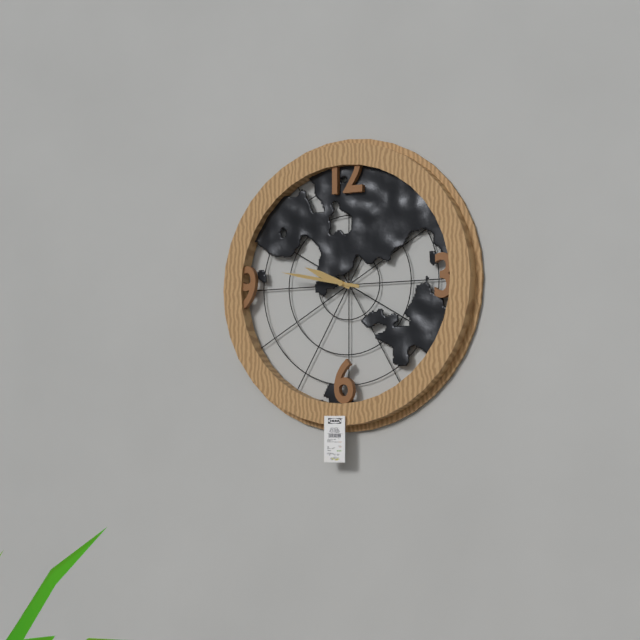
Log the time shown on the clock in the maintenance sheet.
9:47
